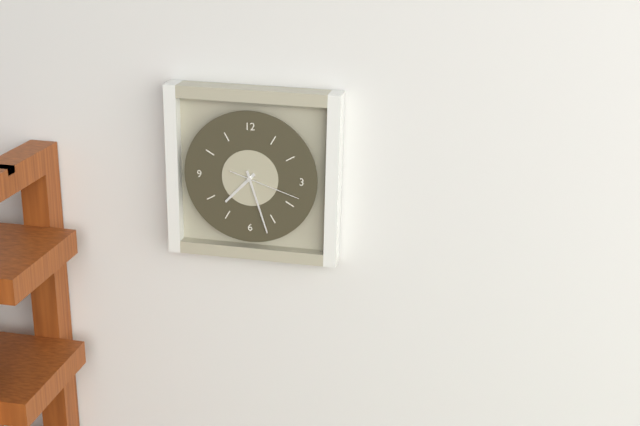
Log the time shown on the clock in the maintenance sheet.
7:27:18
